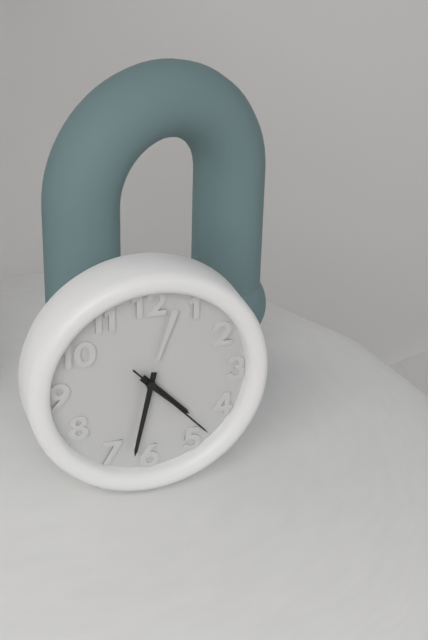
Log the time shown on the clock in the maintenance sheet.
4:32:23
